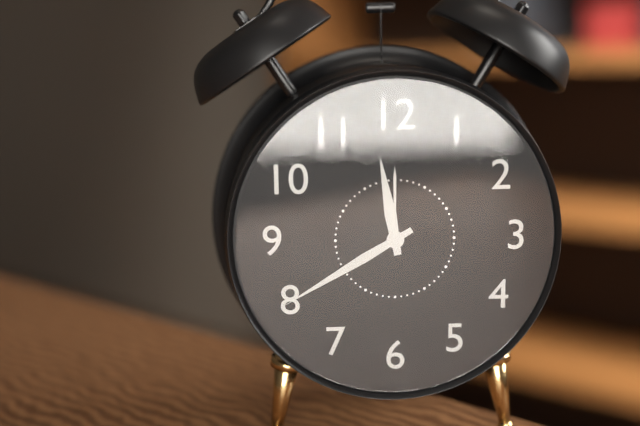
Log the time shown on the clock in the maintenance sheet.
11:40
